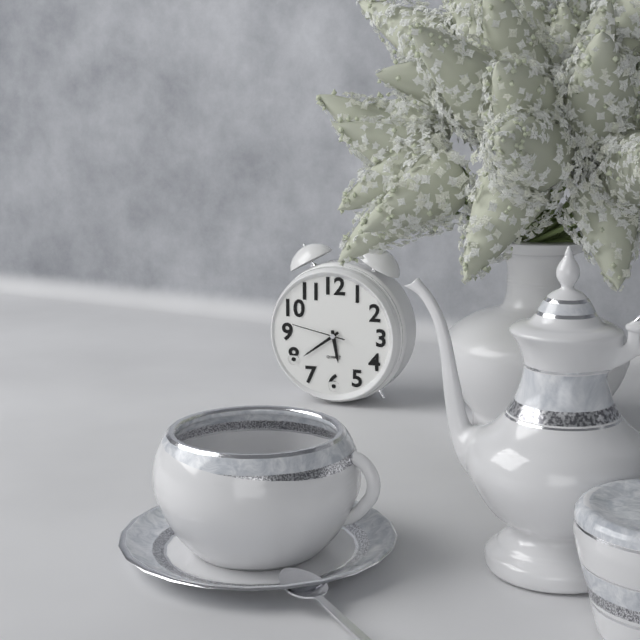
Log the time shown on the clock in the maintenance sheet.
5:39:47
